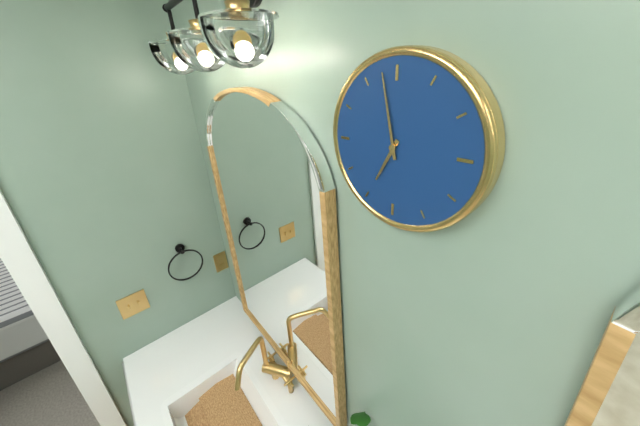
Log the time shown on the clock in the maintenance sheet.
6:58
